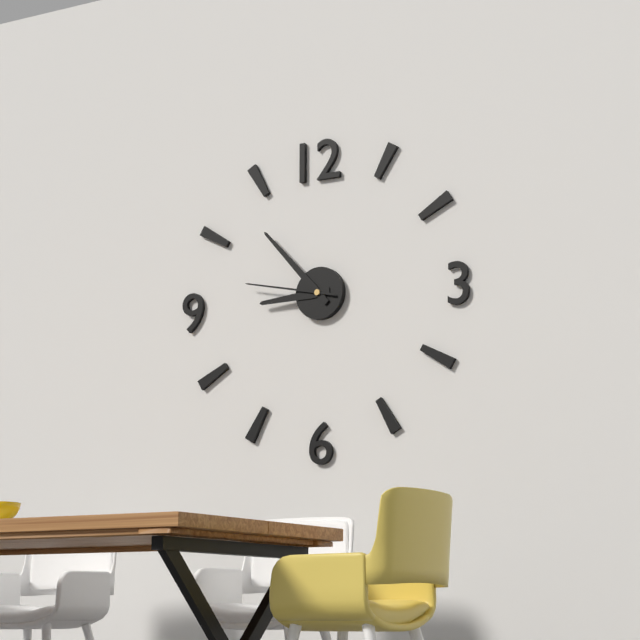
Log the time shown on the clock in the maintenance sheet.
8:53:47
